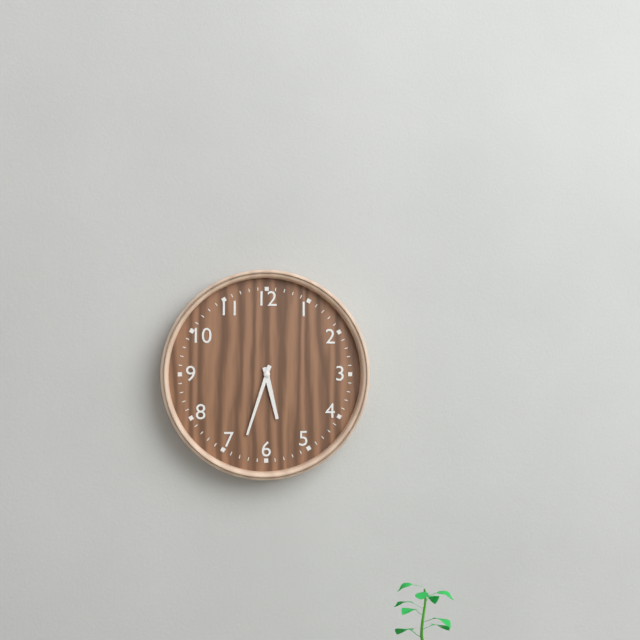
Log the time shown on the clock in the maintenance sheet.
5:33
